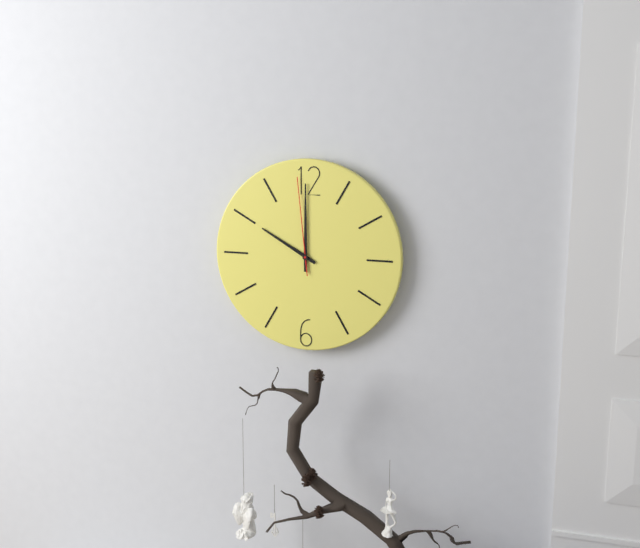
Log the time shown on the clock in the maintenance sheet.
10:00:59
